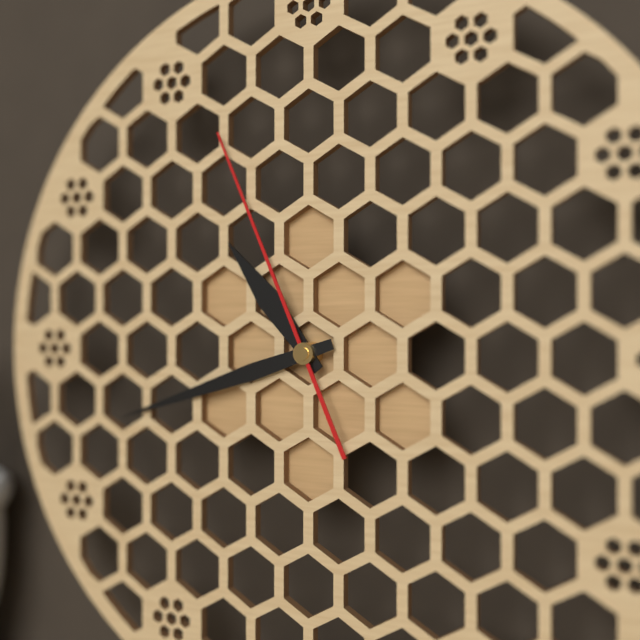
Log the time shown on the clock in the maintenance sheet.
10:42:56
